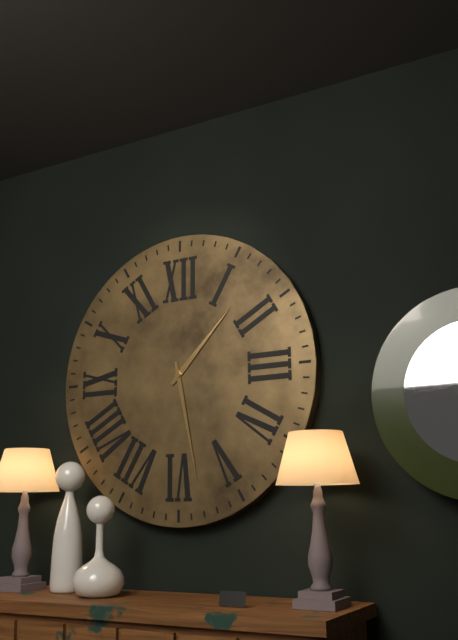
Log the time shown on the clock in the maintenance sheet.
1:28
